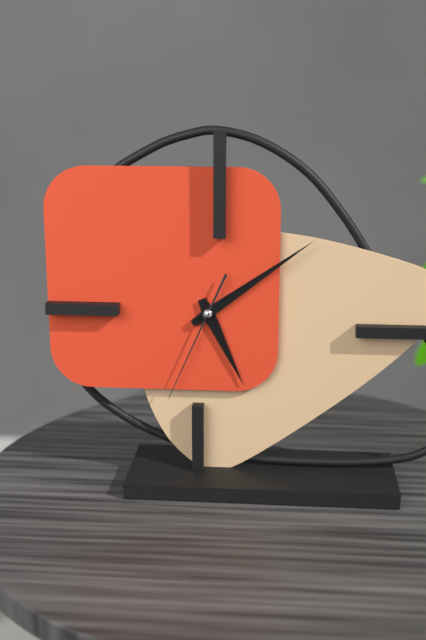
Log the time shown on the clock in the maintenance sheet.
5:09:34
